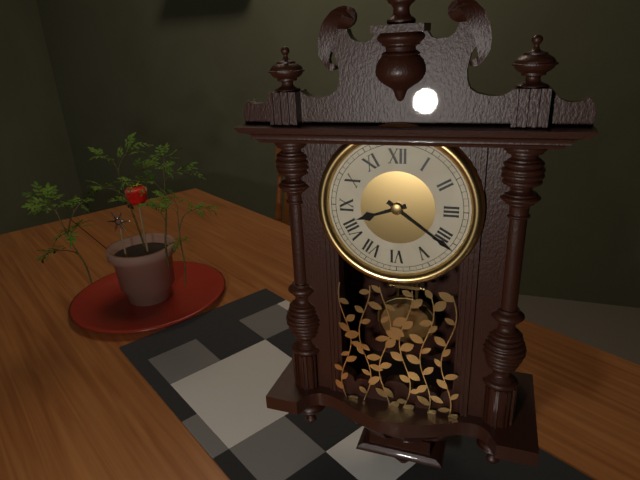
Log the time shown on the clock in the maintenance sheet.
8:21
